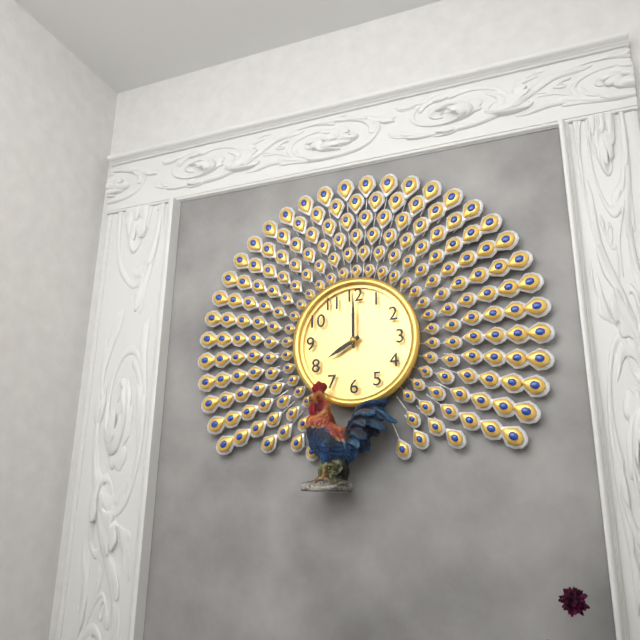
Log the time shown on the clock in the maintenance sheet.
8:00
